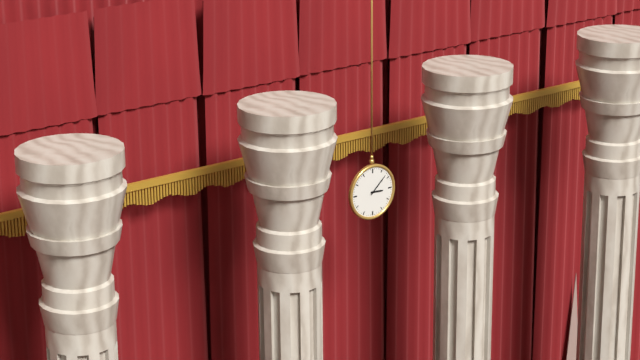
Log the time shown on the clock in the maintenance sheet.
3:08
